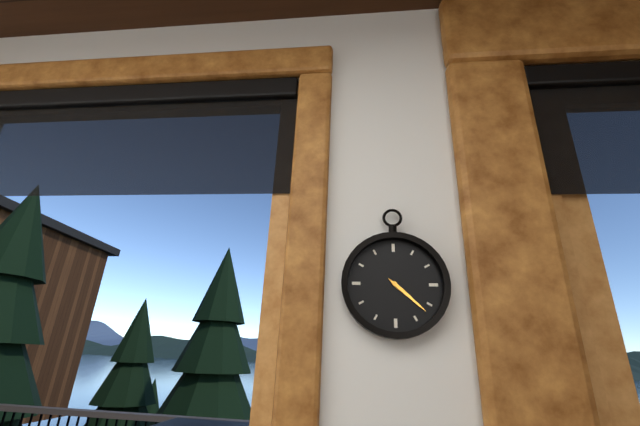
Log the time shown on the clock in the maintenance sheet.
4:22
